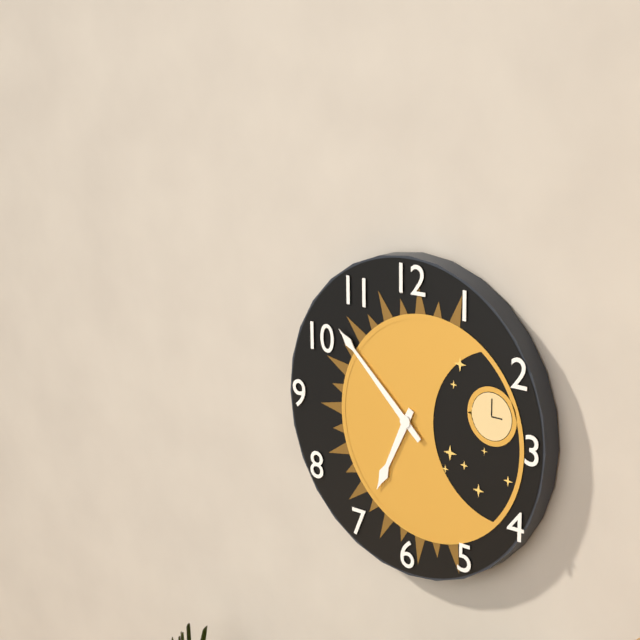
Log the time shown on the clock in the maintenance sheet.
6:52
